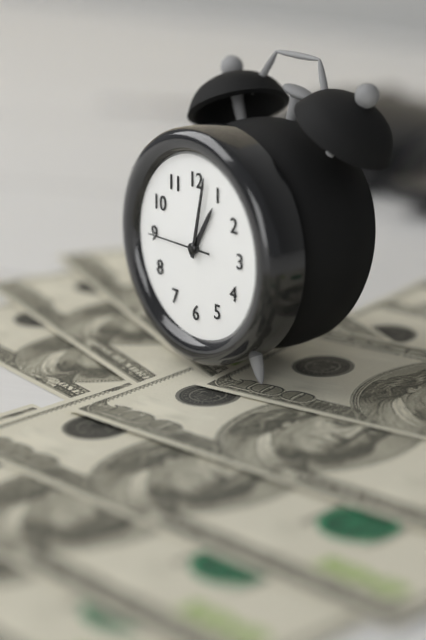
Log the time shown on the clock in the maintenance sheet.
1:02:45
